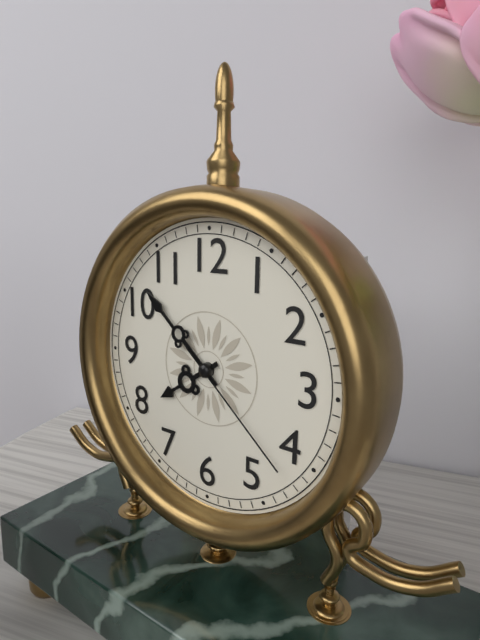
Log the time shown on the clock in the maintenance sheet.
7:52:22
